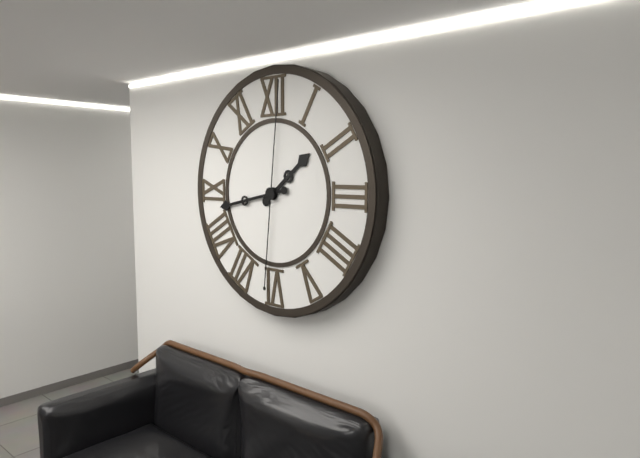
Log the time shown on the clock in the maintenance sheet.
1:43:01
